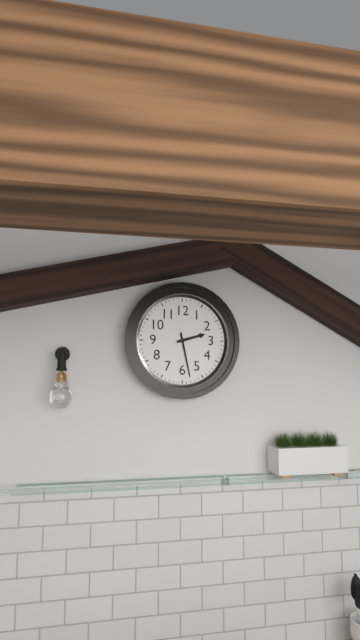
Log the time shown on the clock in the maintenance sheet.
2:28
